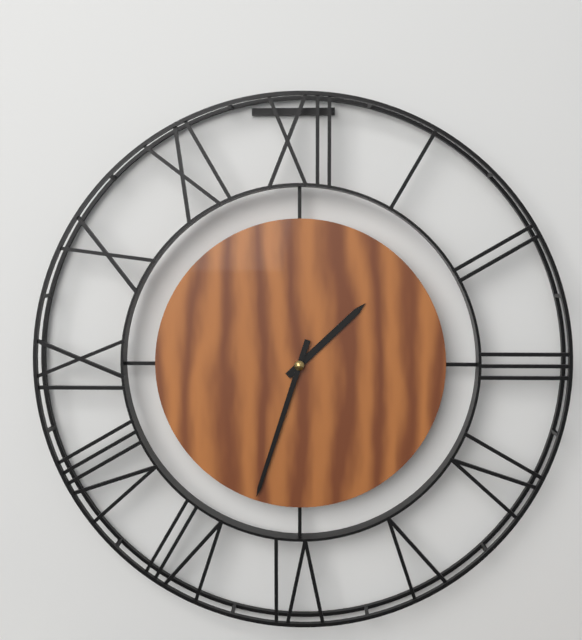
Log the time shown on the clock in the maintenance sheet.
1:33
